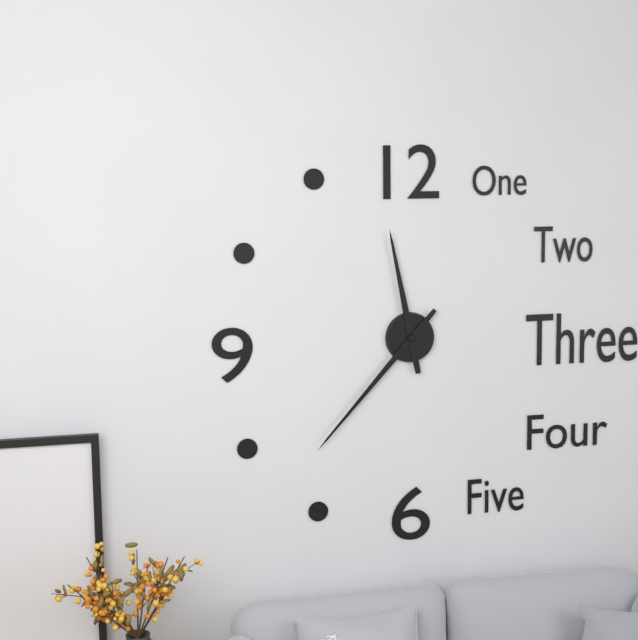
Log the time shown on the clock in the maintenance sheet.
11:37
